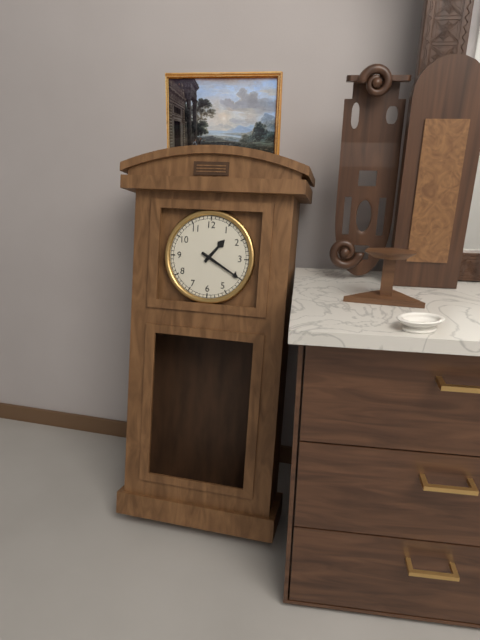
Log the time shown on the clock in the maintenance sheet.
1:20
